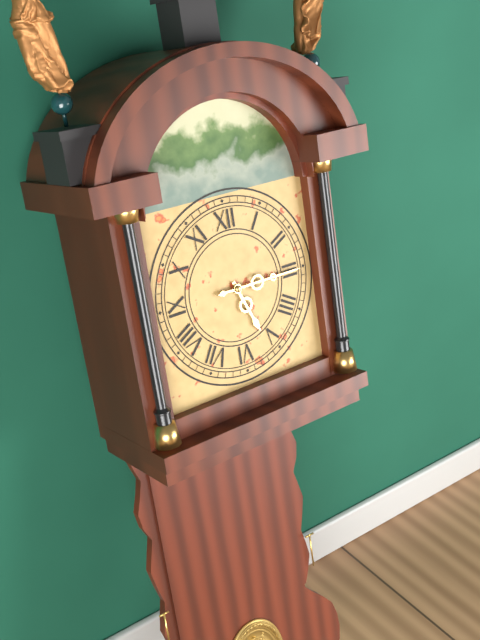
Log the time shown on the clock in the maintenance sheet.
5:15
